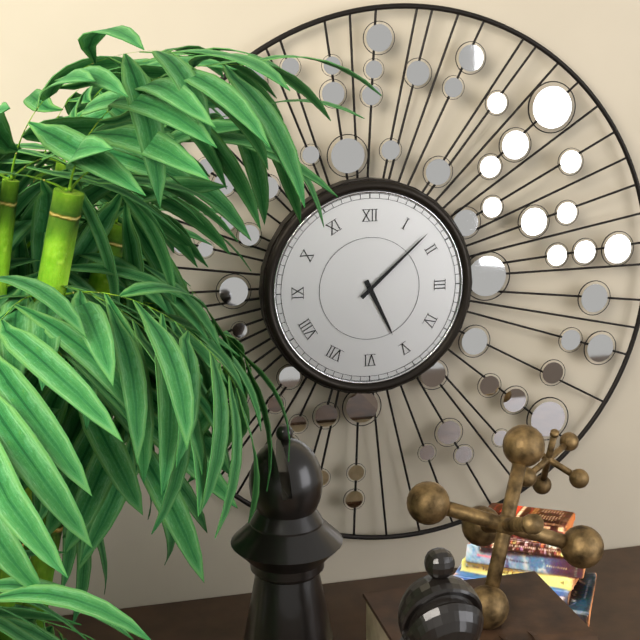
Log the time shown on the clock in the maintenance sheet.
5:08
